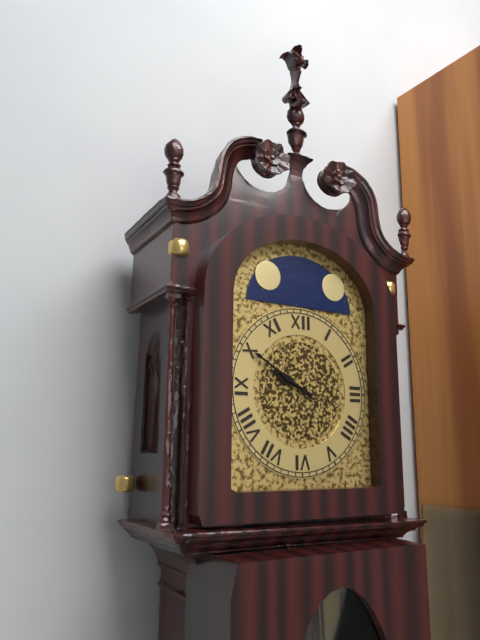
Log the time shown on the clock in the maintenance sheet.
9:50
